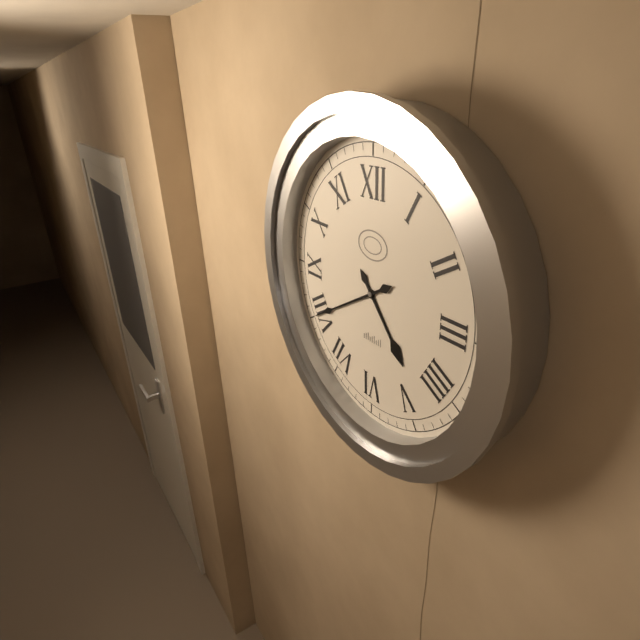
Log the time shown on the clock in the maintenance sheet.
4:40
